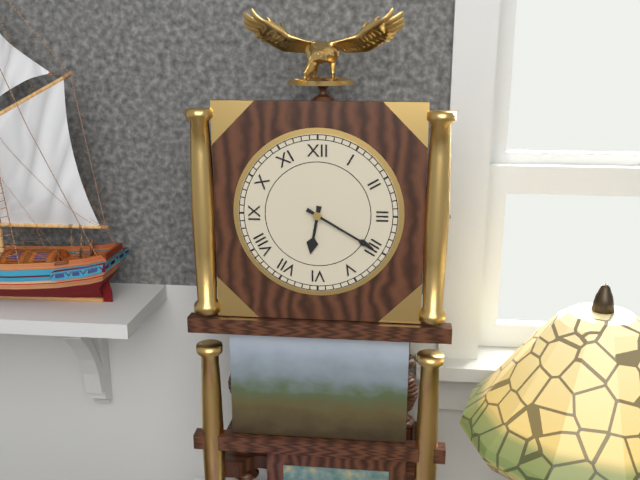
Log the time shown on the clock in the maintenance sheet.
6:20
